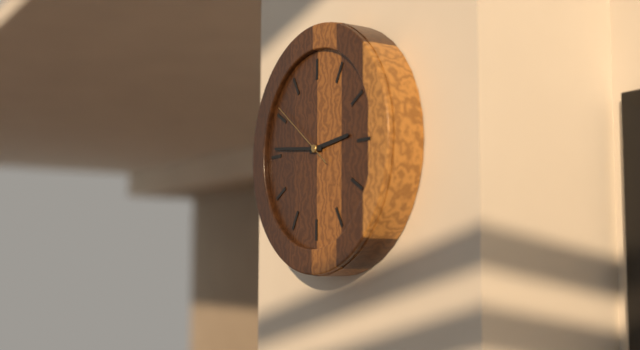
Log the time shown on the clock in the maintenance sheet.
2:46:51
